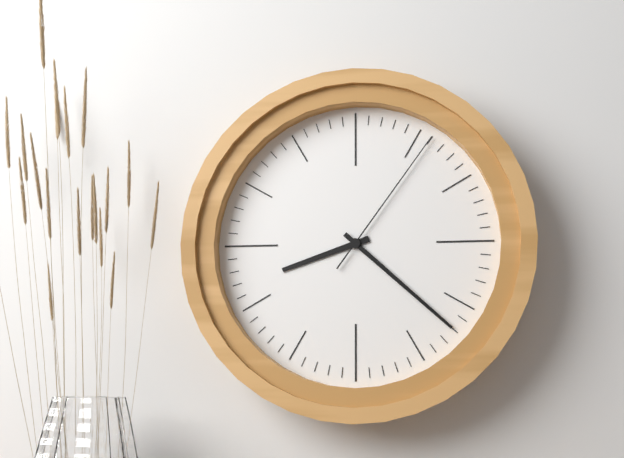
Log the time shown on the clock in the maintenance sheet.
8:22:06
